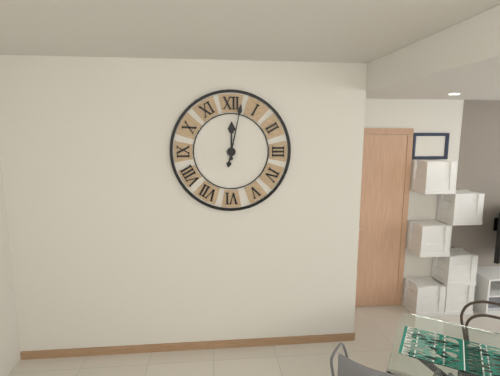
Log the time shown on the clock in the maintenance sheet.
12:02
